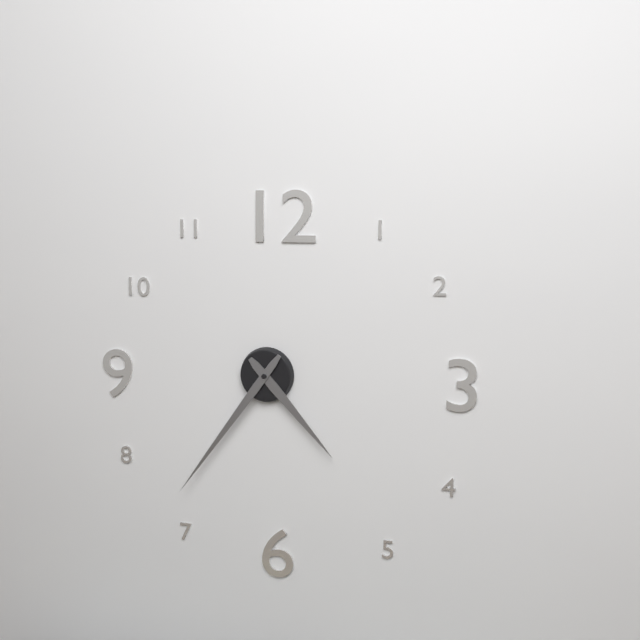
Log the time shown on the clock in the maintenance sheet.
4:36
